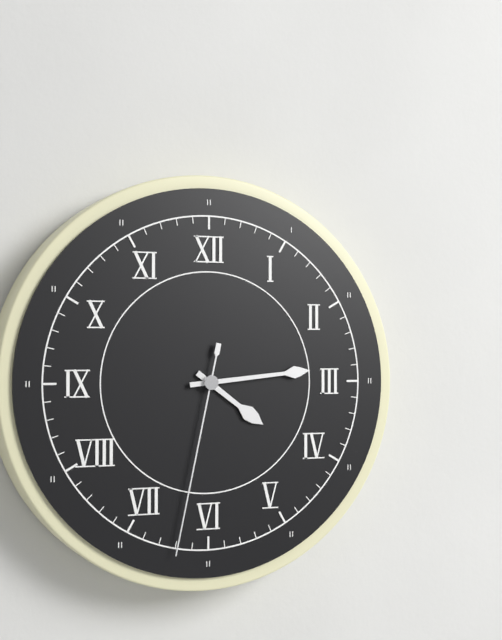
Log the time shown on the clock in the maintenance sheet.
4:14:32
